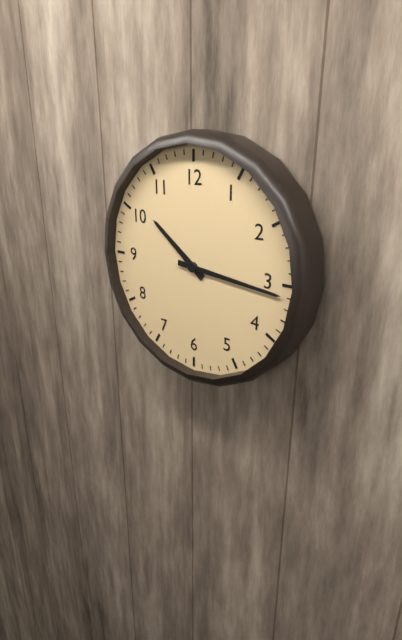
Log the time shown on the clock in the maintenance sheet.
10:16
